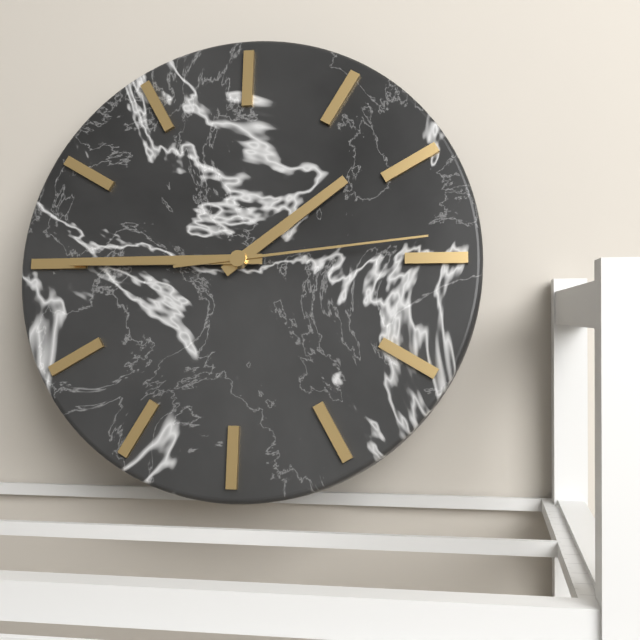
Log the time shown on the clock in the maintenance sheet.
1:45:14
